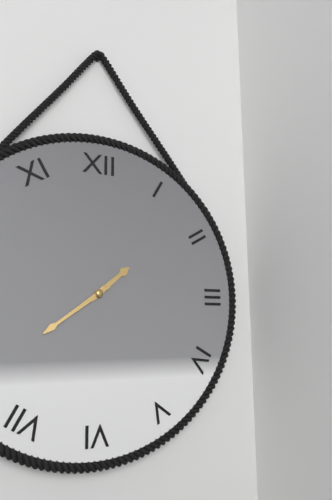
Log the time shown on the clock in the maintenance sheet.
1:39
